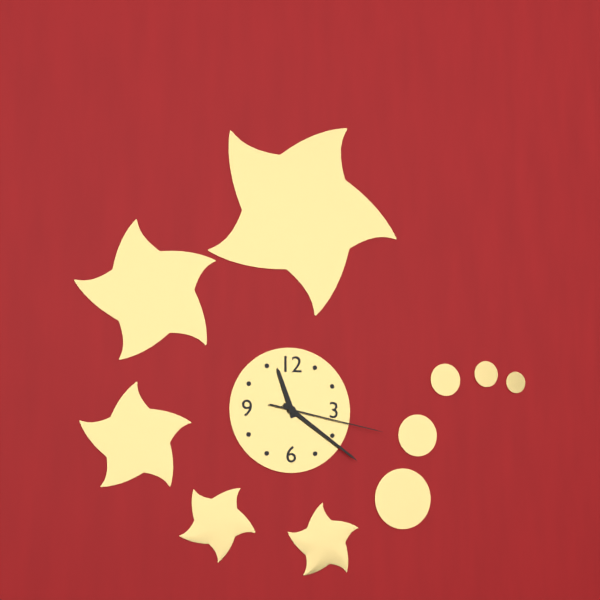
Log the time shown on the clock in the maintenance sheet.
11:21:17
